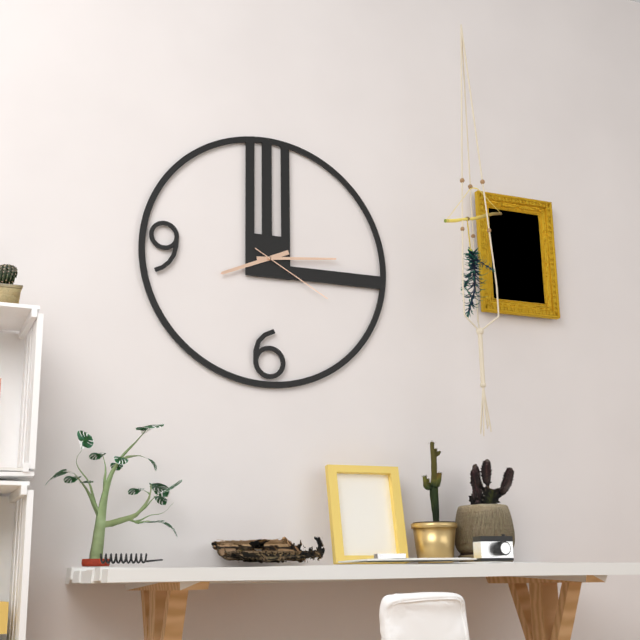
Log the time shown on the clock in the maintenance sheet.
8:14:20
